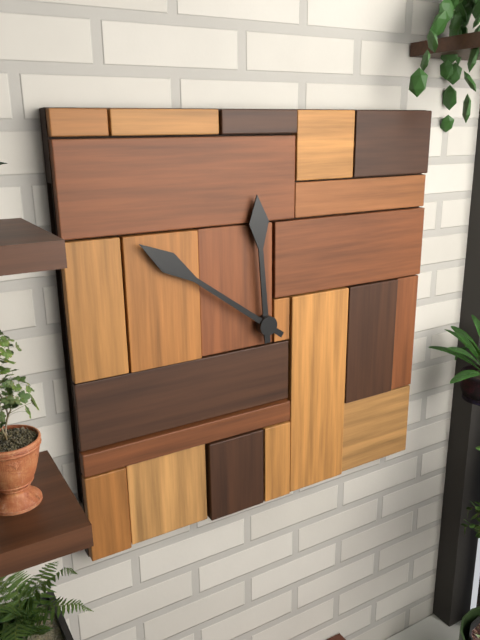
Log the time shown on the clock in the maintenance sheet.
11:51
